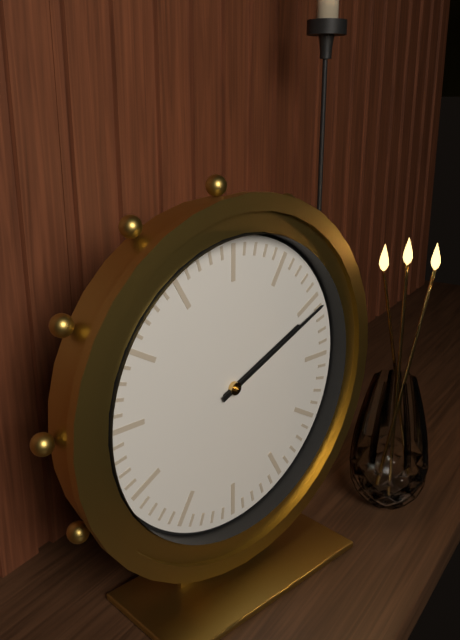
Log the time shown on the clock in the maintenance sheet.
2:11
